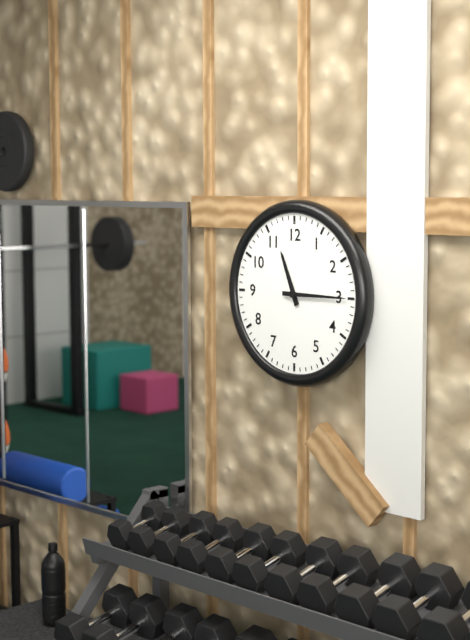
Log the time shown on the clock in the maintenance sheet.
11:15
